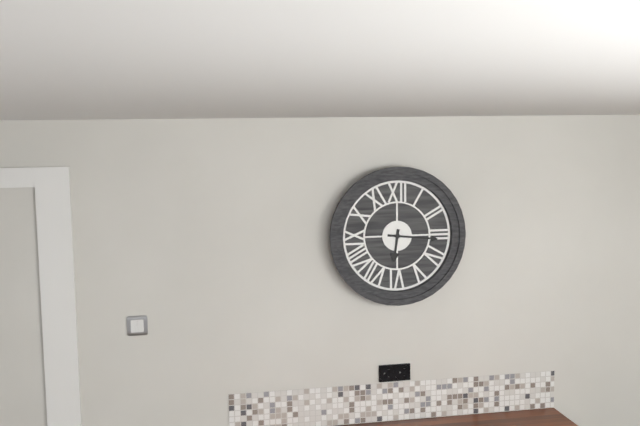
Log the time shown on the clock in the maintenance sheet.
6:16
